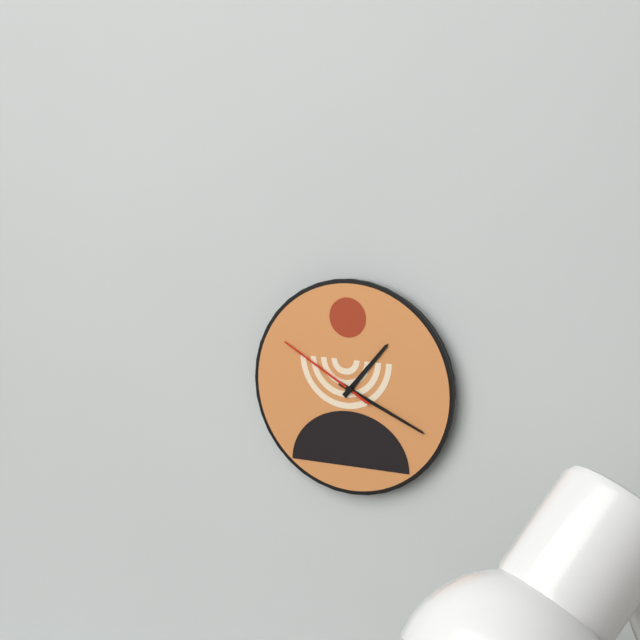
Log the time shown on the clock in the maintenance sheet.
1:19:50
